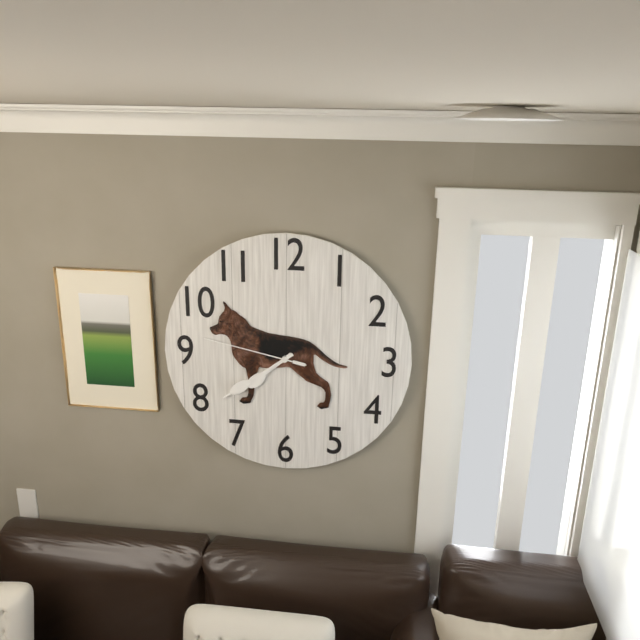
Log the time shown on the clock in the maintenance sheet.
7:39:47
